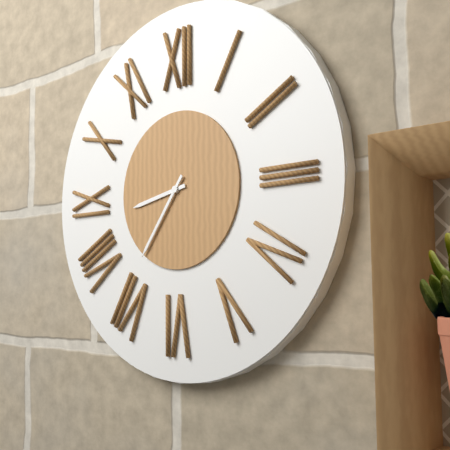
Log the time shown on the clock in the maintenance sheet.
8:36
